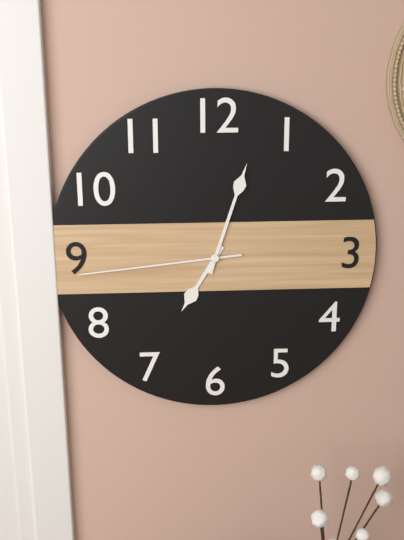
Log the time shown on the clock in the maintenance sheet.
7:03:44
